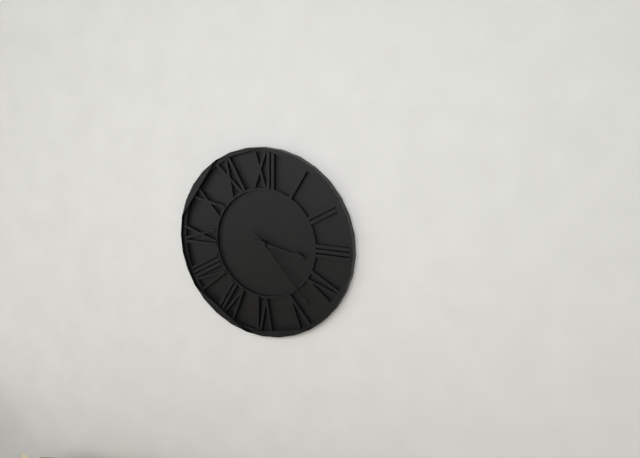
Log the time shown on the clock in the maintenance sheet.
3:23
